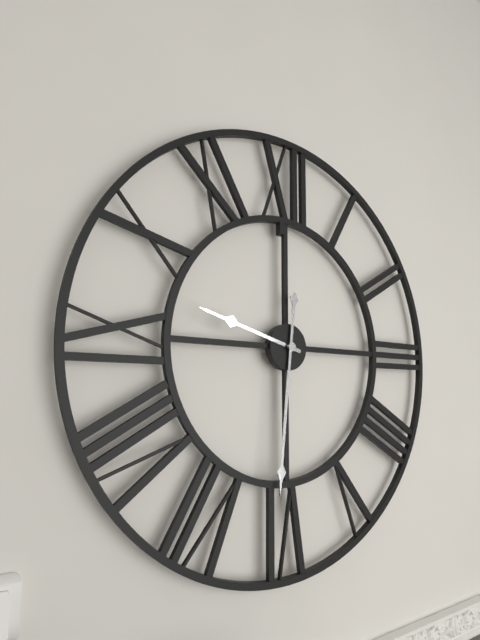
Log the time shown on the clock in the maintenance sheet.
9:31
